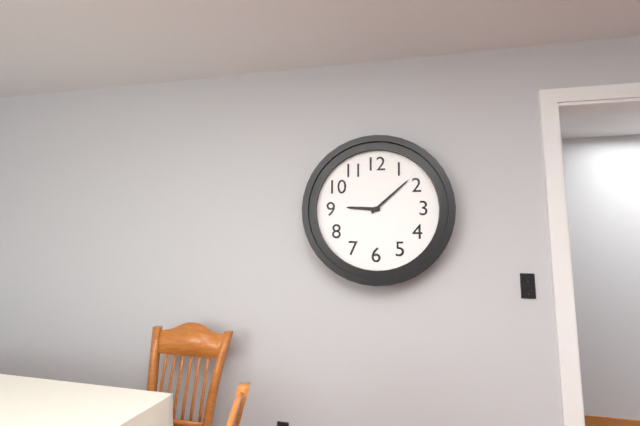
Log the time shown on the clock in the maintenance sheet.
9:08
